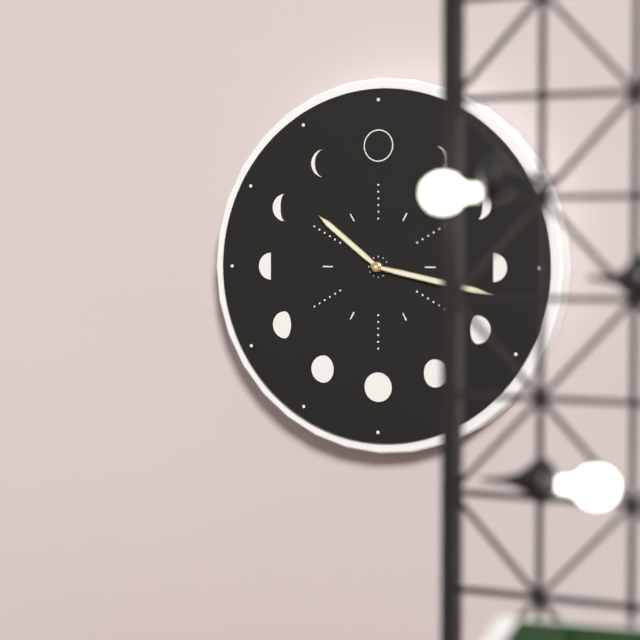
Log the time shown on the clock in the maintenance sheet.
10:17
